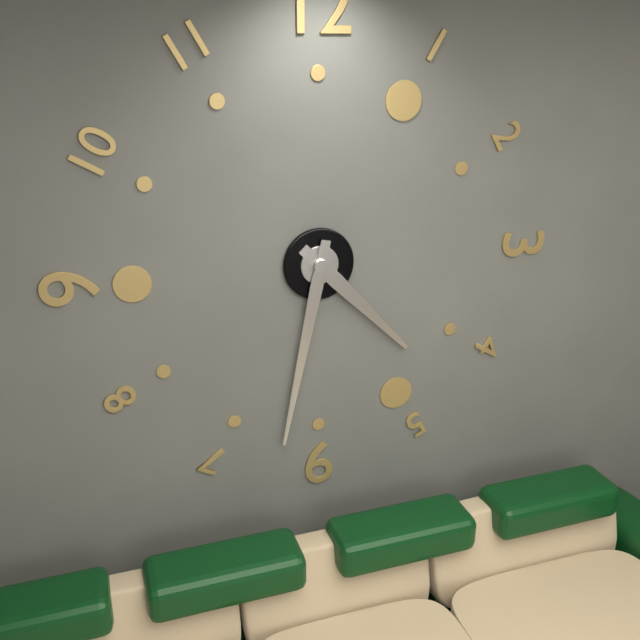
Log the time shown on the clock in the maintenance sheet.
4:32
